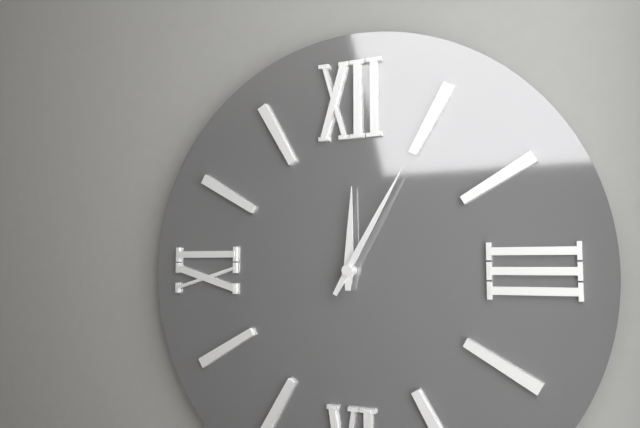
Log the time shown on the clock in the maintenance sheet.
12:05
